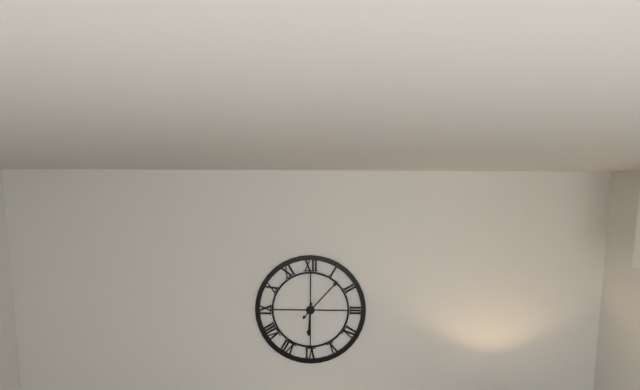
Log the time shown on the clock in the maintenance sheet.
6:07
